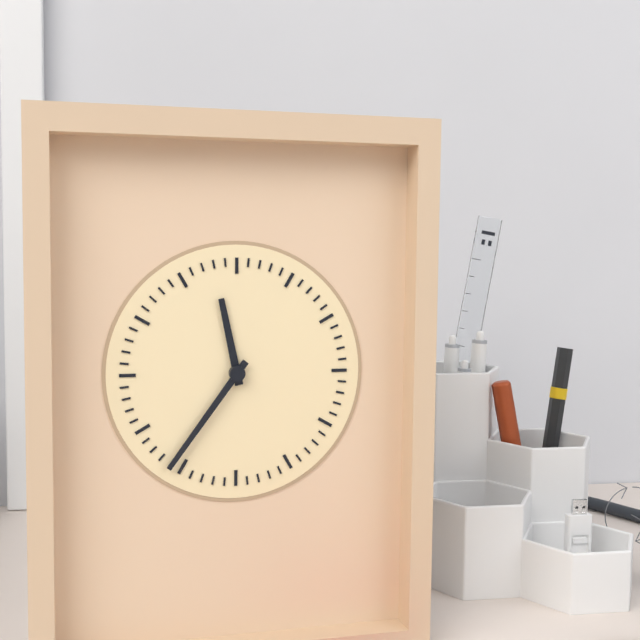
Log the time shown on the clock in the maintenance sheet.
11:36
